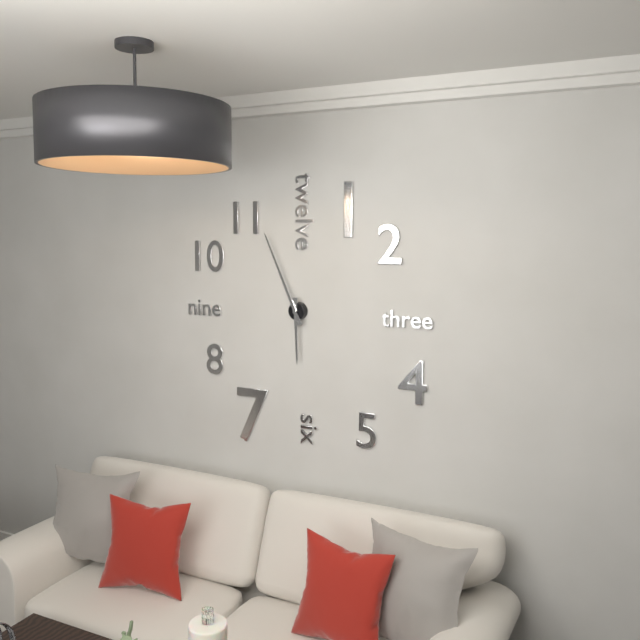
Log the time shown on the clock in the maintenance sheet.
5:56
